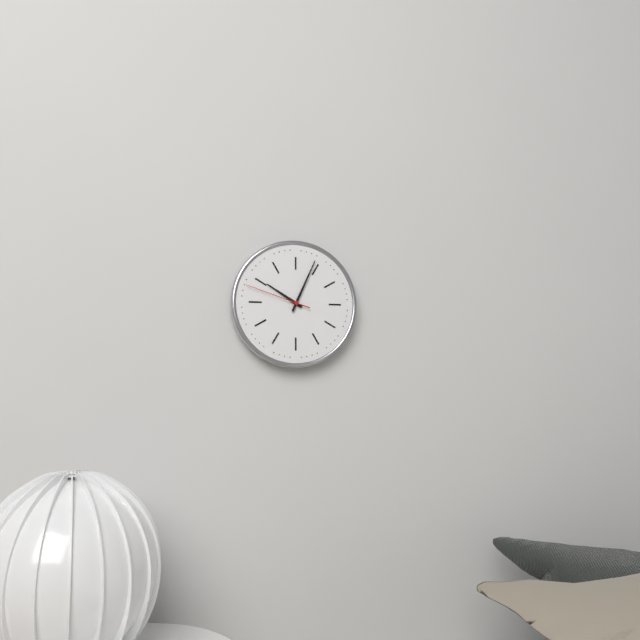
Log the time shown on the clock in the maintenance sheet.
10:04:48
